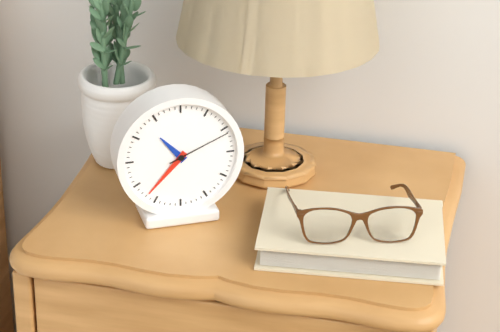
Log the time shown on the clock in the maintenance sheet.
10:37:11
